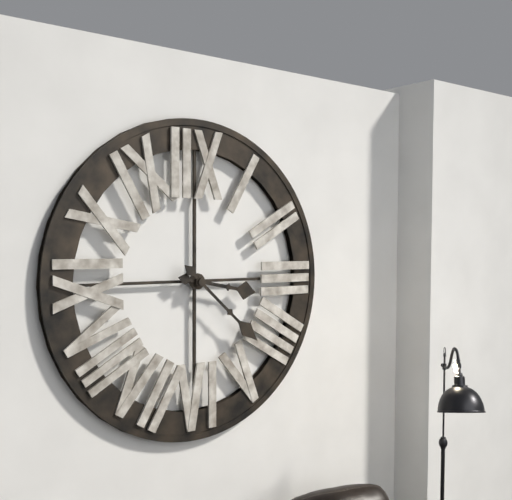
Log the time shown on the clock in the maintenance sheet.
3:22
